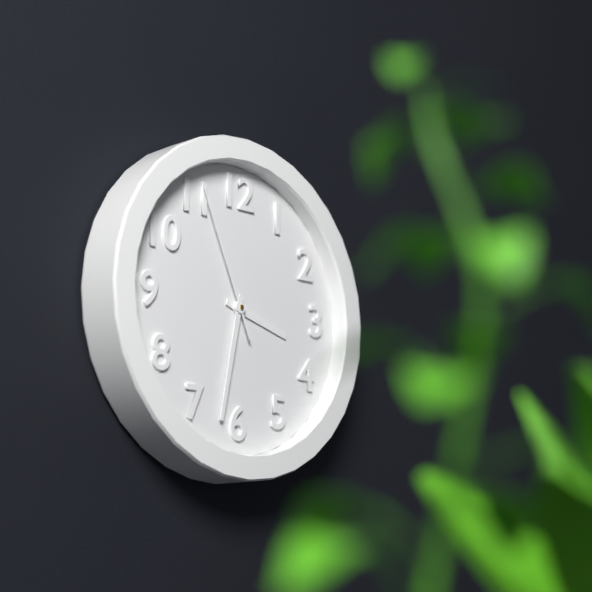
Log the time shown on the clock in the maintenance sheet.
3:32:56
